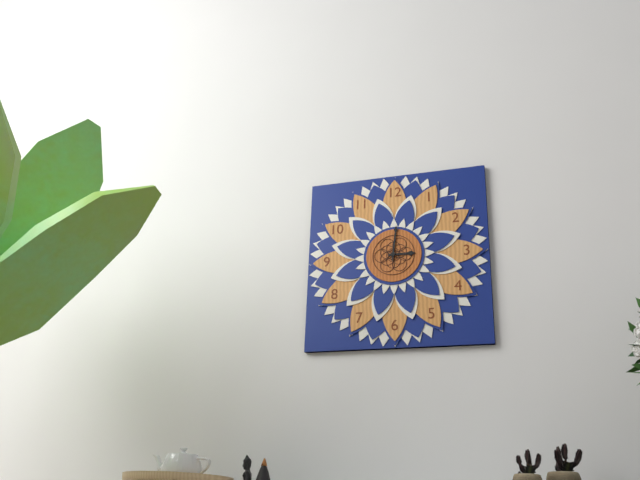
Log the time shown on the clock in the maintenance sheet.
3:01
